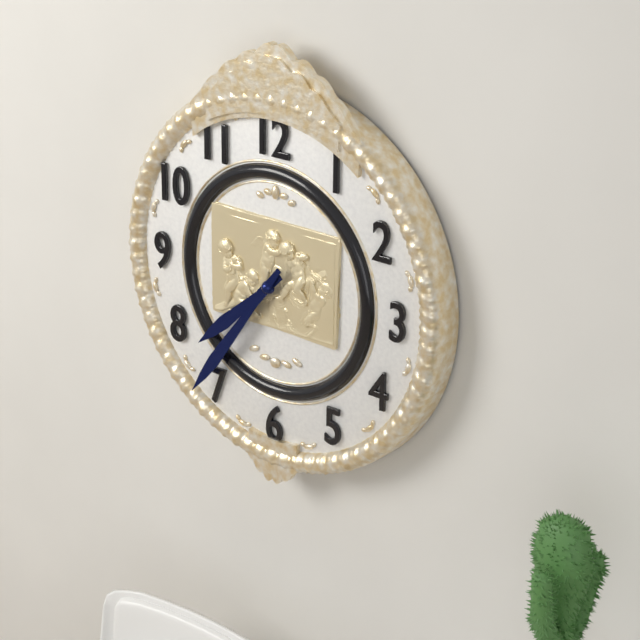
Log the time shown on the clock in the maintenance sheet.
7:36
